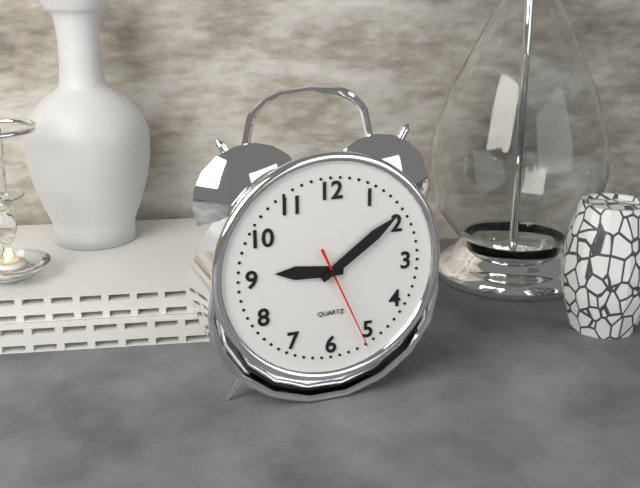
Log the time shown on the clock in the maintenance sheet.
9:09:26
